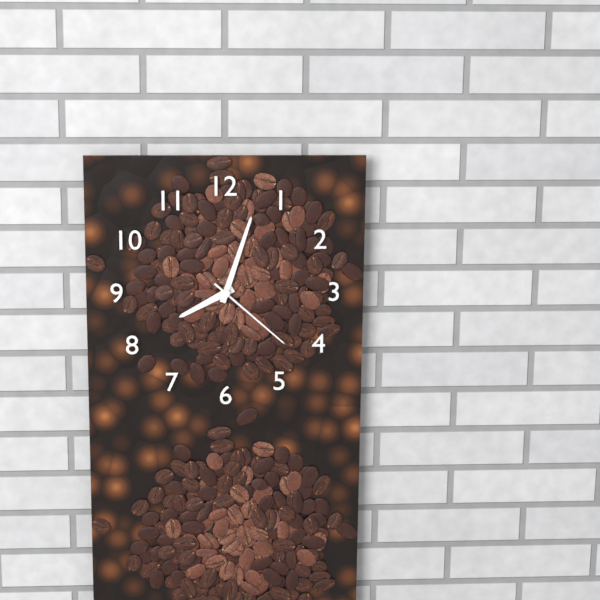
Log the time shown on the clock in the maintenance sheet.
8:03:22
